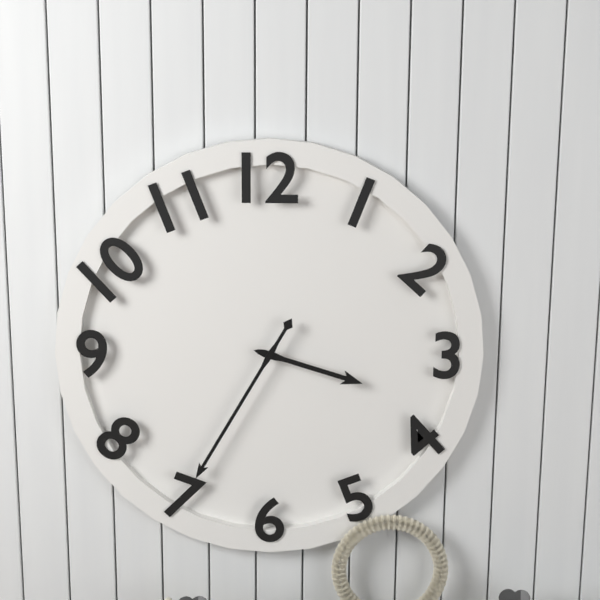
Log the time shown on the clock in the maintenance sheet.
3:35
